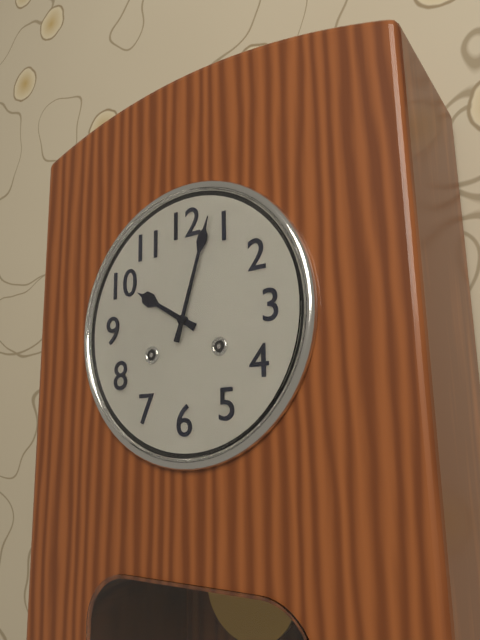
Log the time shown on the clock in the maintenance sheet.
10:03
